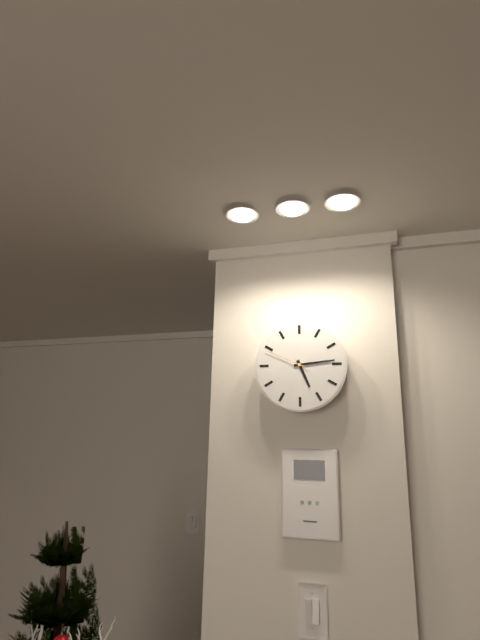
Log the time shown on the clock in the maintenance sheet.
5:14
